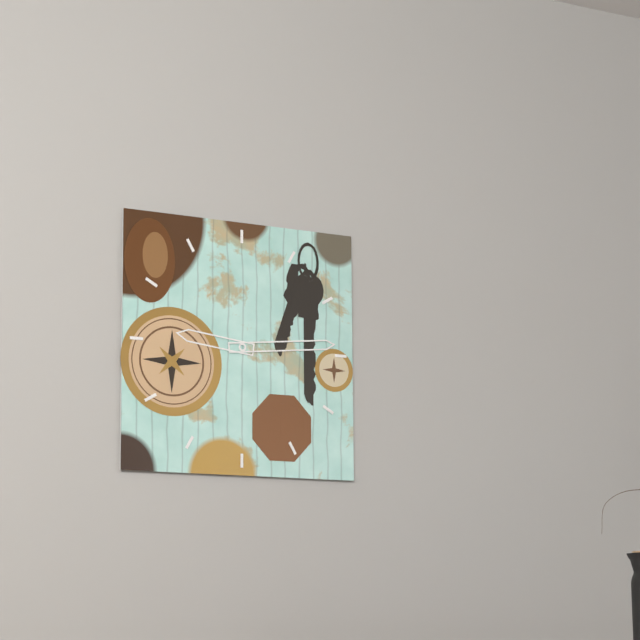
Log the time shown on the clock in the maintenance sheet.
9:14
